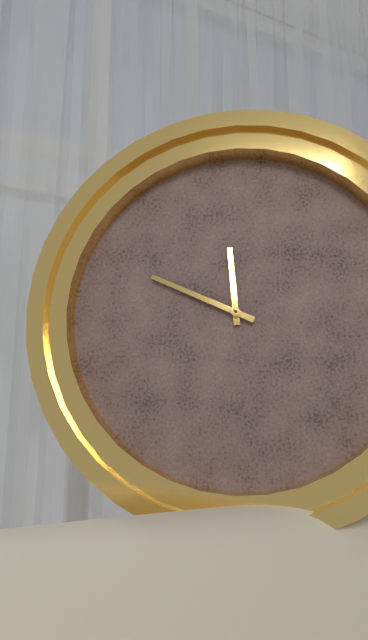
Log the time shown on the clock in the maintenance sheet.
11:49
